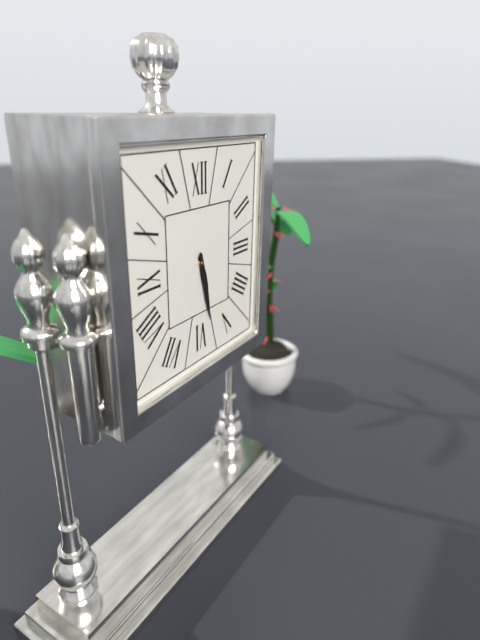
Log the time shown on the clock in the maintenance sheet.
5:28
